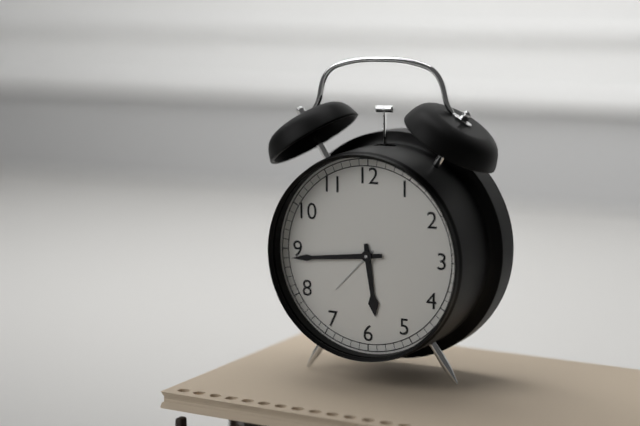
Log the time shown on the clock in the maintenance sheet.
5:44
